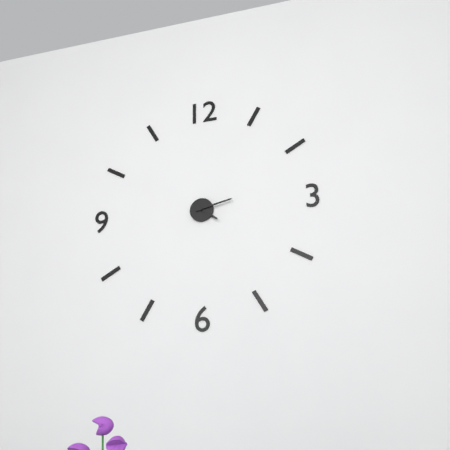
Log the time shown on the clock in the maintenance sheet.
4:13
